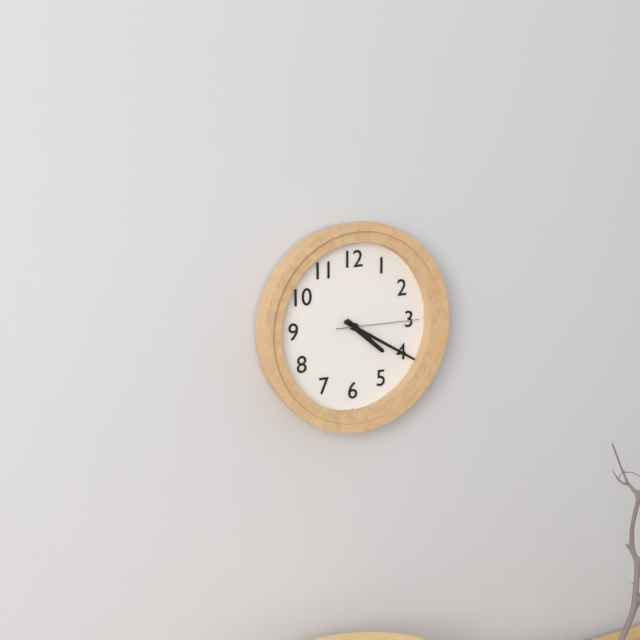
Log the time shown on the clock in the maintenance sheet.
4:20:15
